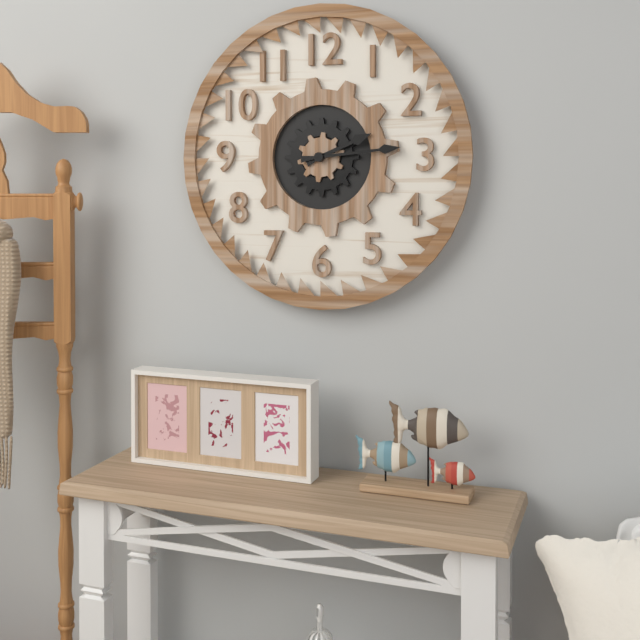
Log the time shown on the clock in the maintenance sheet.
2:14
